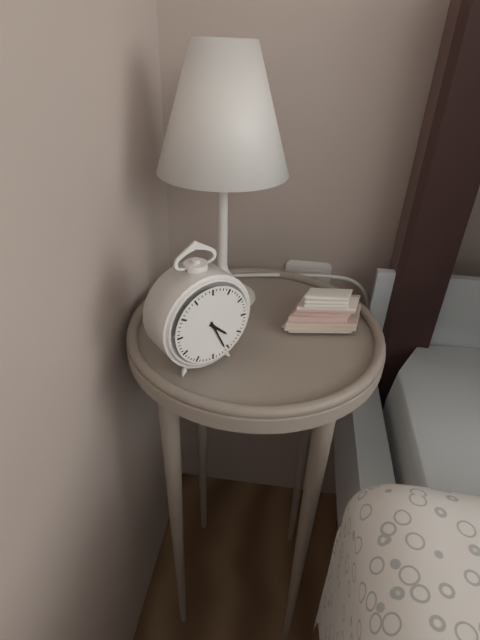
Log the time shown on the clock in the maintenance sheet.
4:26
